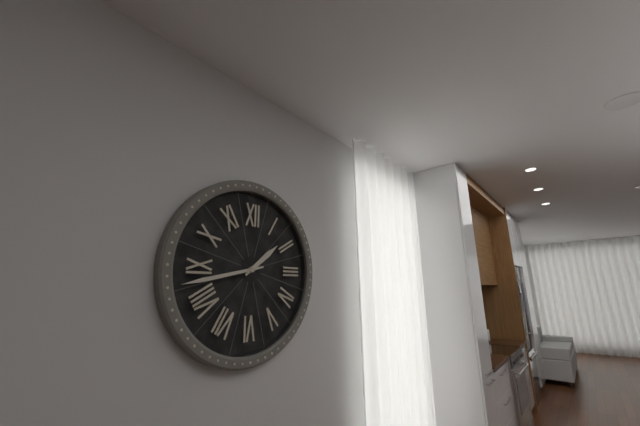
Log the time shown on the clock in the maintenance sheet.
1:43
